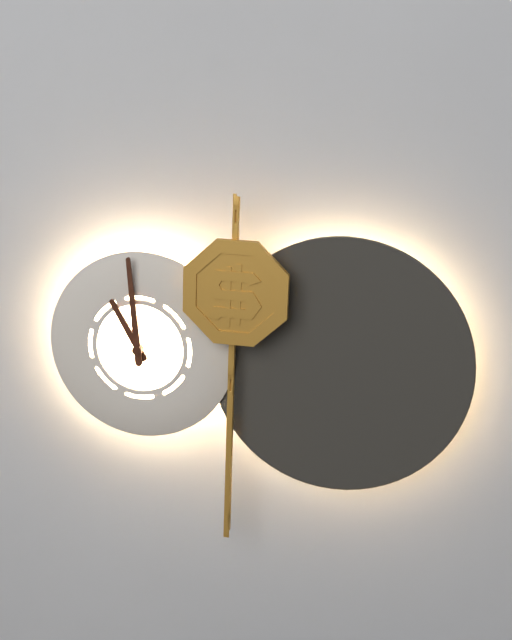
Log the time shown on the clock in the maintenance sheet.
10:59
